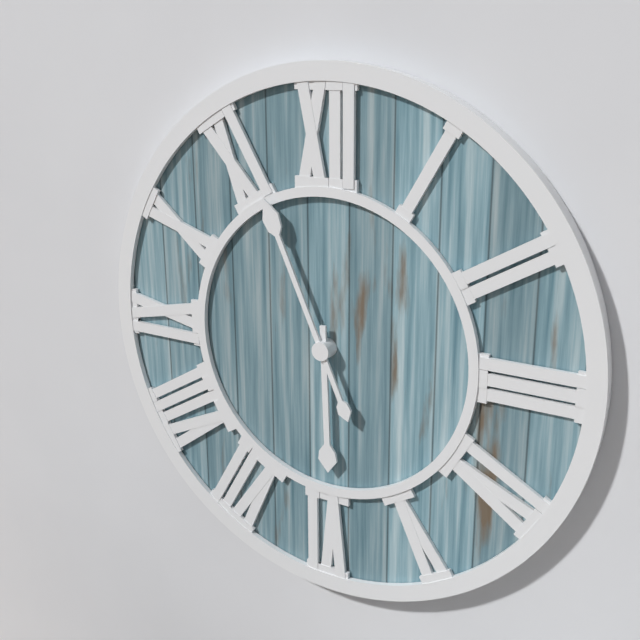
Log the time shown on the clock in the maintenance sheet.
5:56
